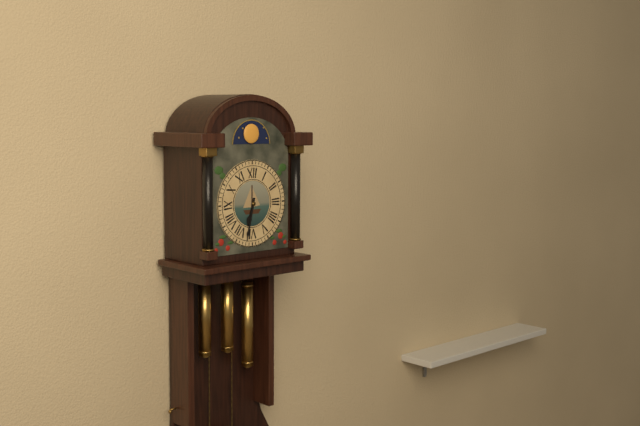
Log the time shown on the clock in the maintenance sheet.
6:32
